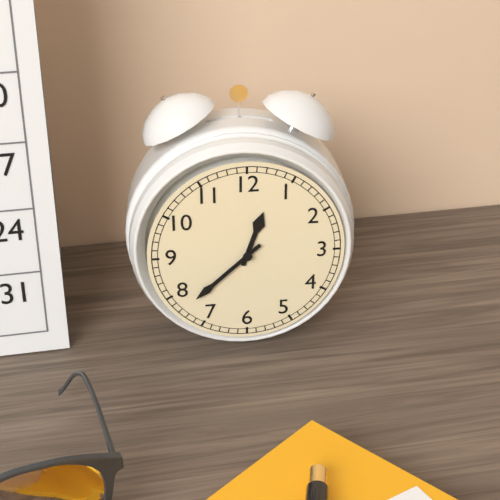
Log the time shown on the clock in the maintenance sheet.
12:38
